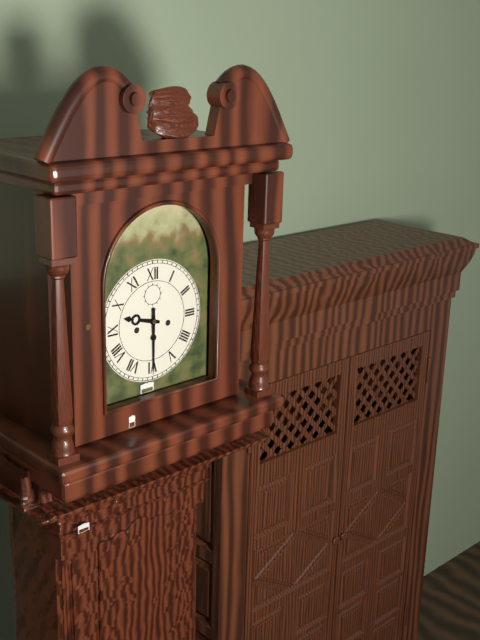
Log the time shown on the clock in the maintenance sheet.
9:30
